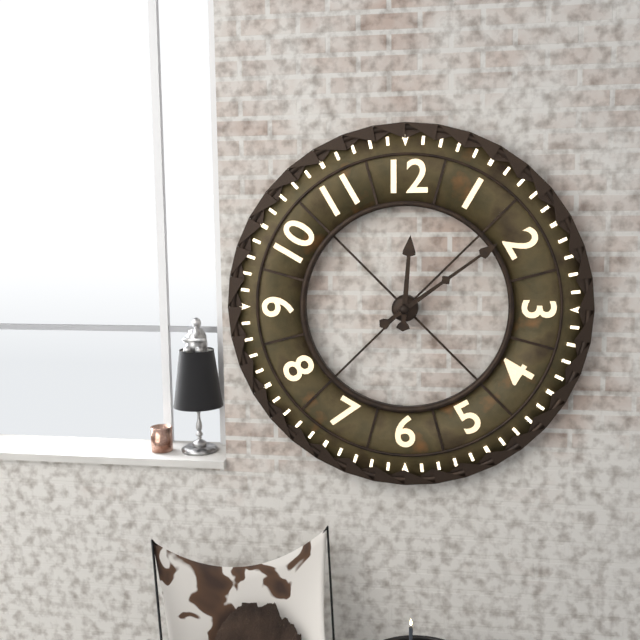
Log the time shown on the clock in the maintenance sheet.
12:09
